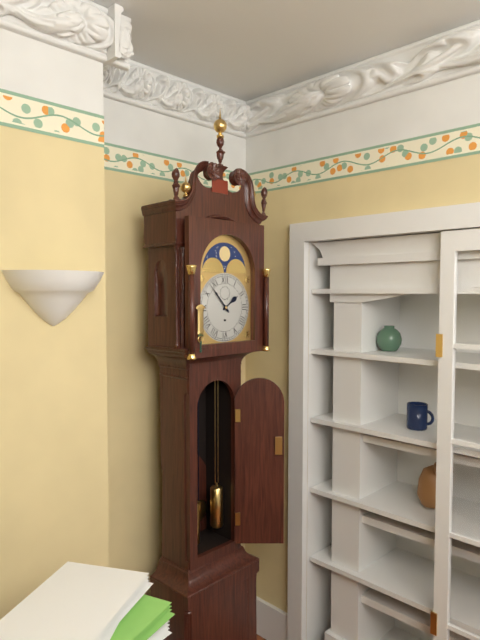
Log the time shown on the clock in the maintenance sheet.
1:53
